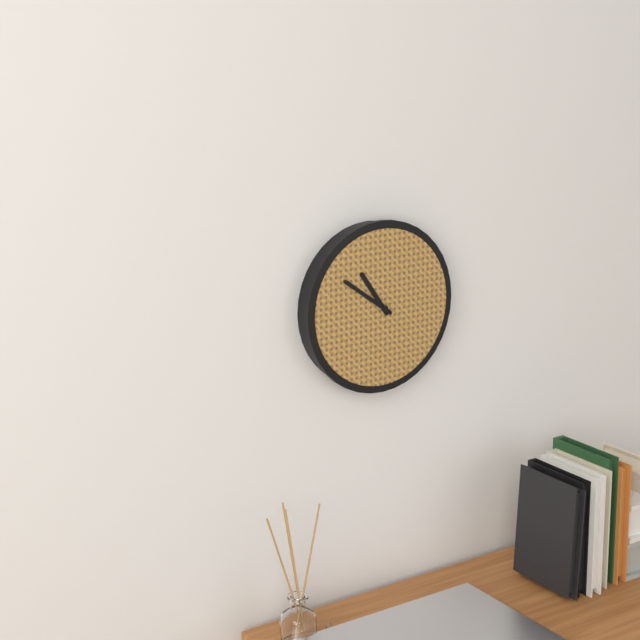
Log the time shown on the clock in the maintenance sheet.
10:51
